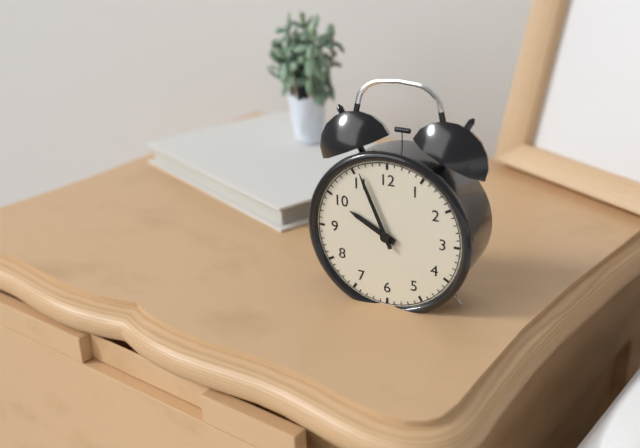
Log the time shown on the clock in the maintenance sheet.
9:56
